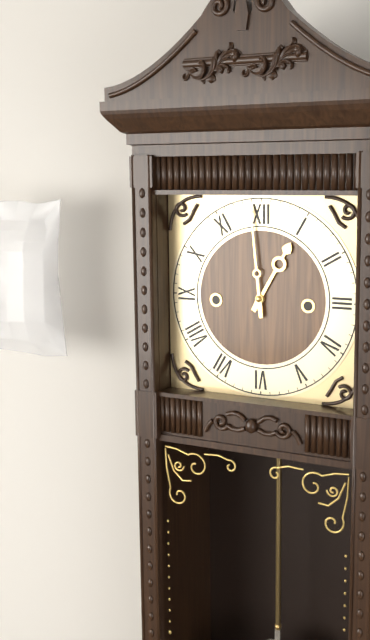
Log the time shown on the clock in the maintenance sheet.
12:59
